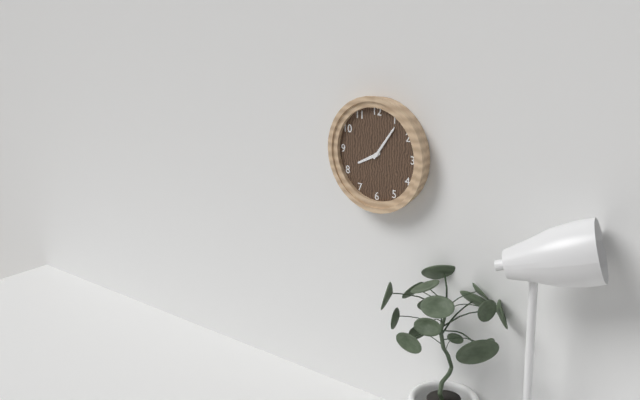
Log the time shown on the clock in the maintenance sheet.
8:06
